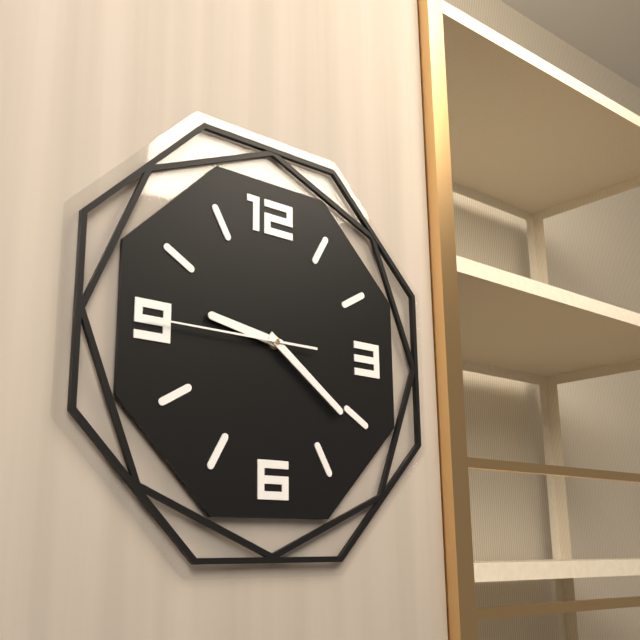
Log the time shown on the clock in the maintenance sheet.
9:21:45
